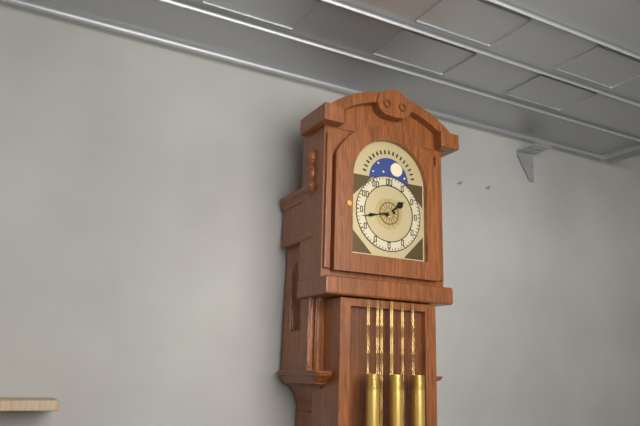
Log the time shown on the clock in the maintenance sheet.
1:43
